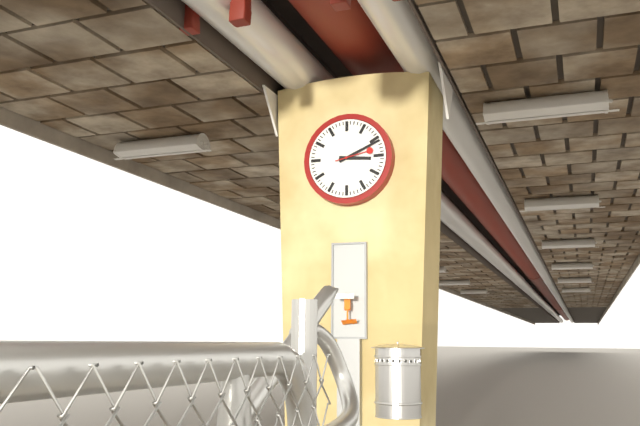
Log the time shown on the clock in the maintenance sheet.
3:11
